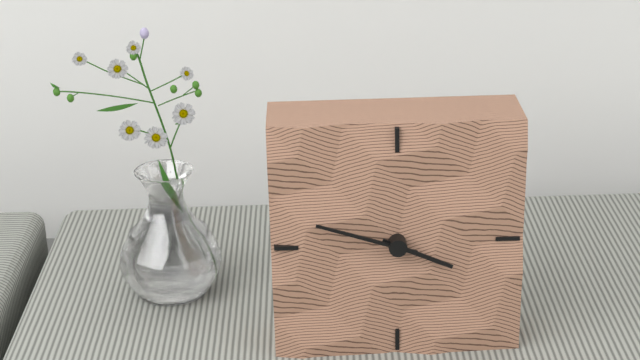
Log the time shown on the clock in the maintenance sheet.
3:48
